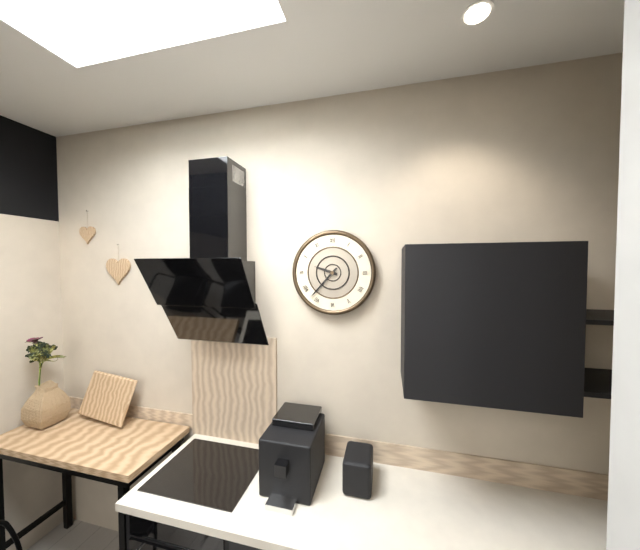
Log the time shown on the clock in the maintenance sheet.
9:37
